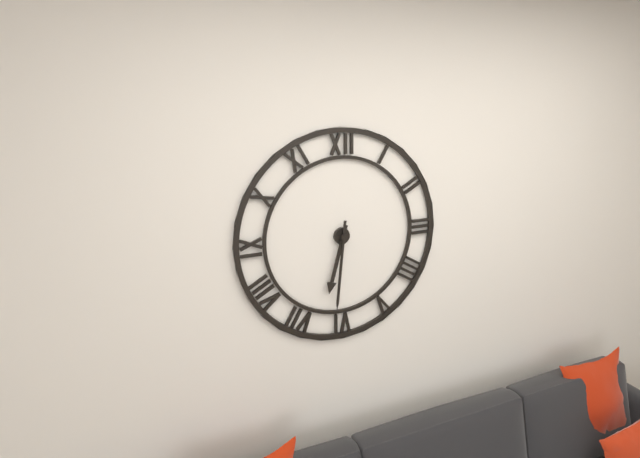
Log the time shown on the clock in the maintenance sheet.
6:31
